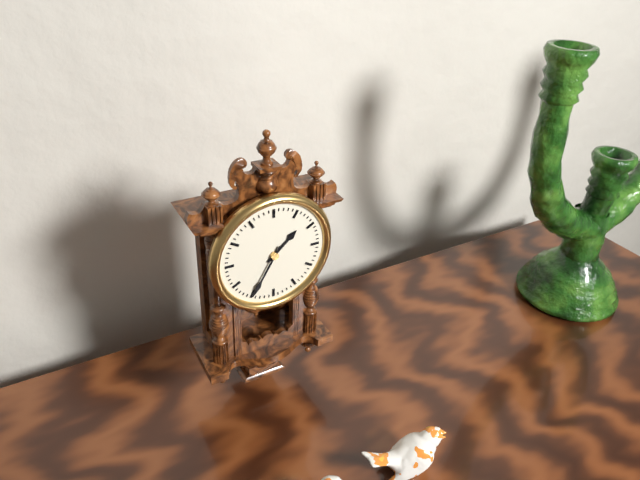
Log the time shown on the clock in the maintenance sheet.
1:35
